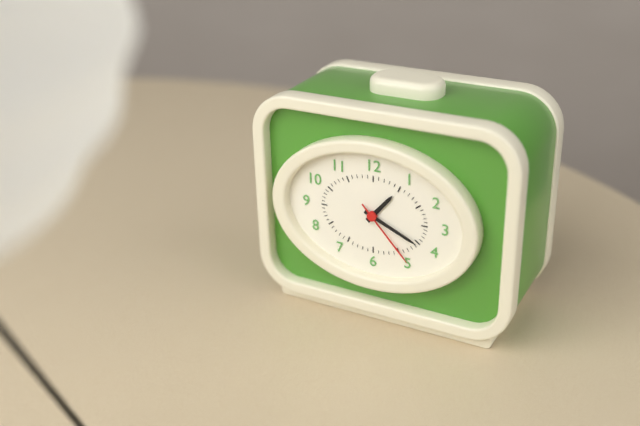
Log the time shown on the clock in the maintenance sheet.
1:19:23
